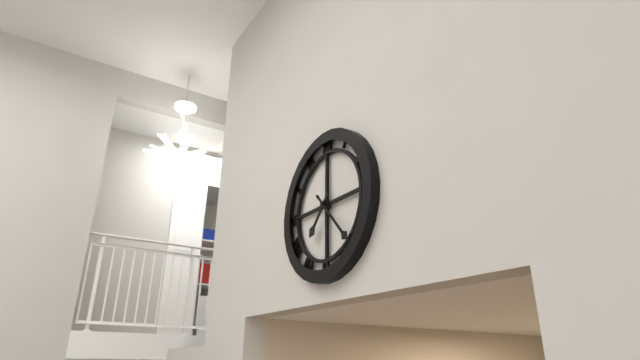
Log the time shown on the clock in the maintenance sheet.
7:23
